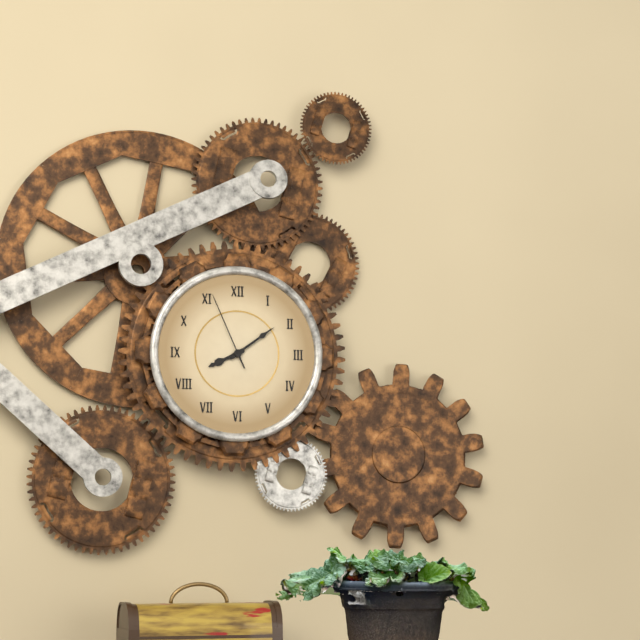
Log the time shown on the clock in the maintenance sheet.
8:09:56
